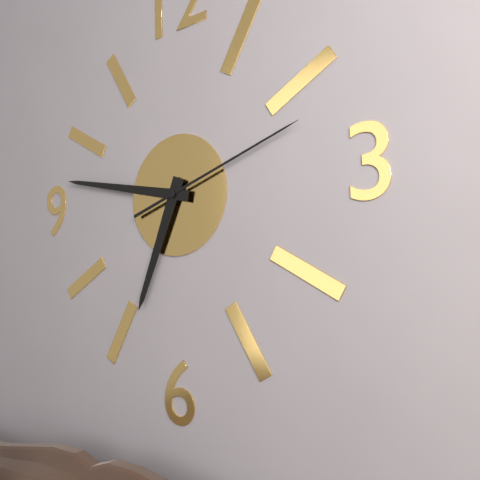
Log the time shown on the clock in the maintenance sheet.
6:47:12
